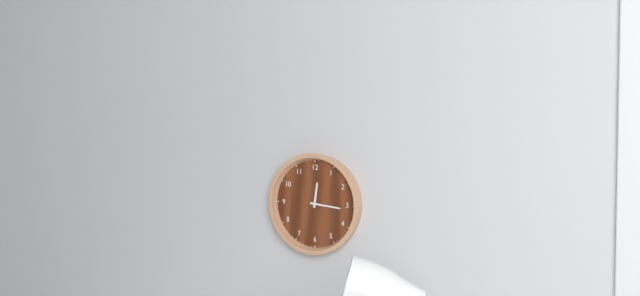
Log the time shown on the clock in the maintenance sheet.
12:16
